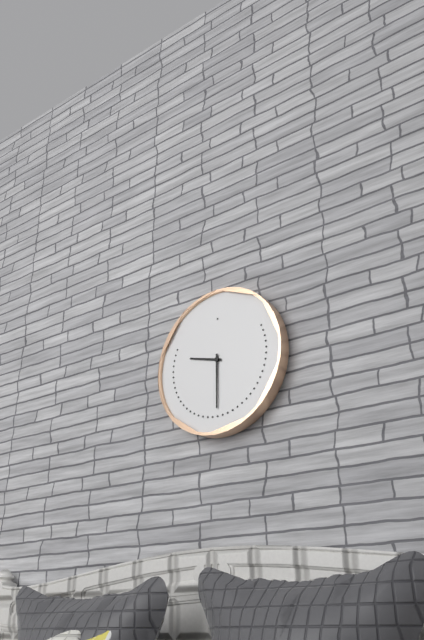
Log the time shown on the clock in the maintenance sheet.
9:30
